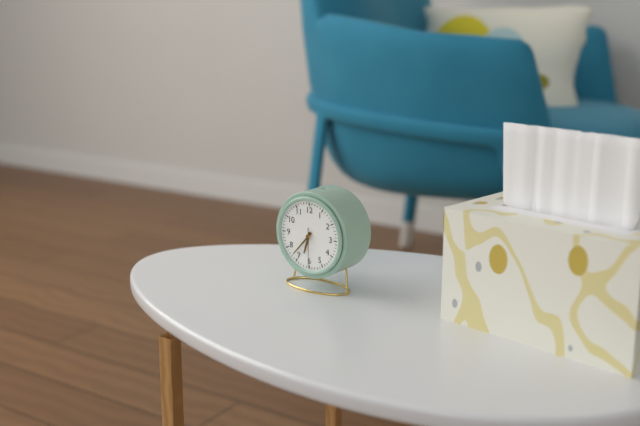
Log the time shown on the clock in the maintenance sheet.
6:37
